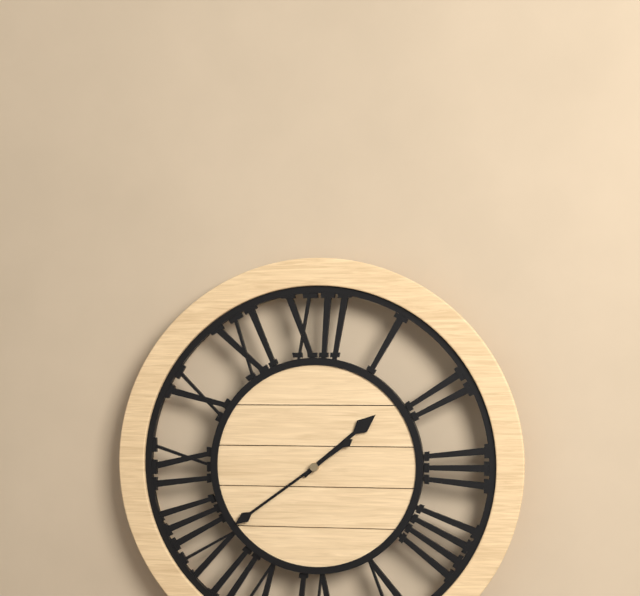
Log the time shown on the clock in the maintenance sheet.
1:39
